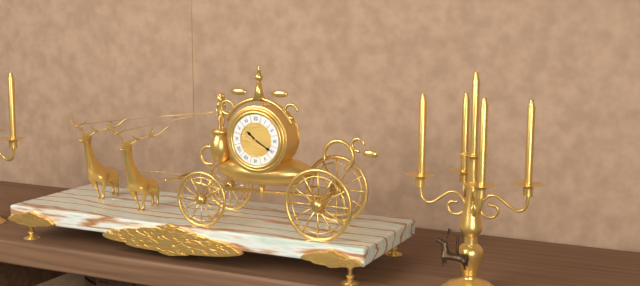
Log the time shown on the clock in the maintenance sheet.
10:20
